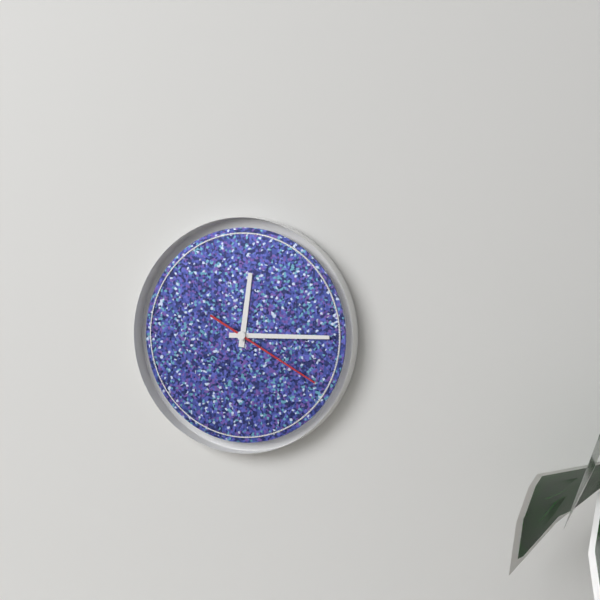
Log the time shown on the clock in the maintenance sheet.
12:15:20
